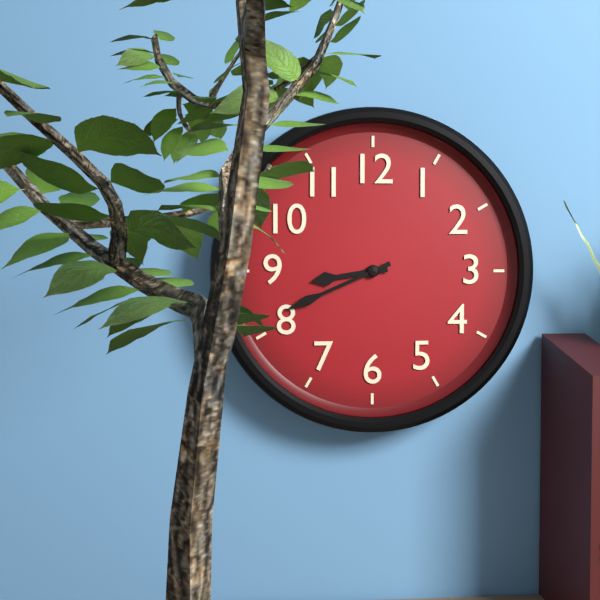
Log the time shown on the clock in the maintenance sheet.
8:41
